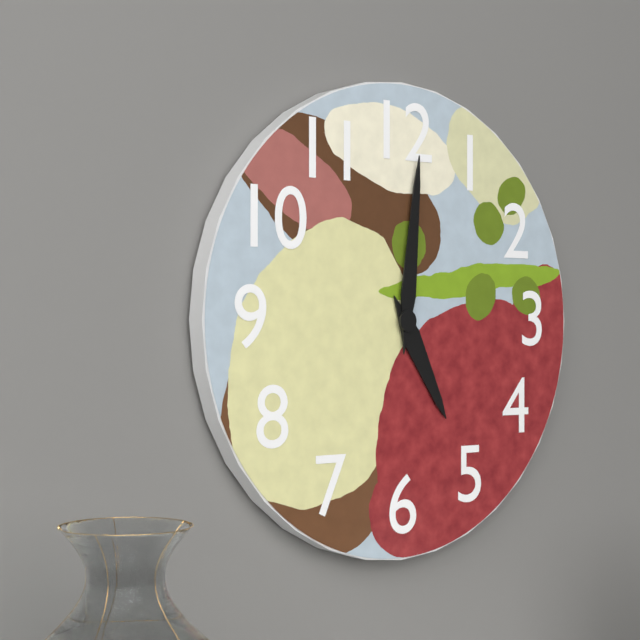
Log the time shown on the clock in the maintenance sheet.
5:01
